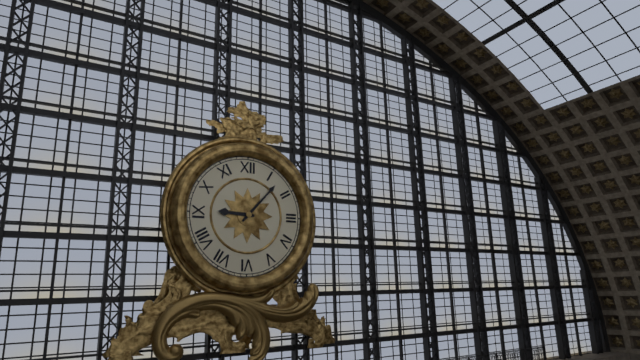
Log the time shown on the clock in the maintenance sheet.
9:07
